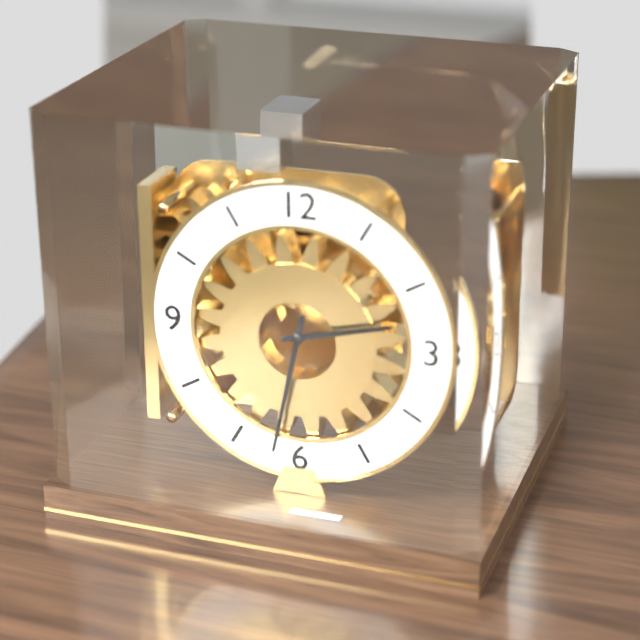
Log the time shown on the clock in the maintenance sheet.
2:32
